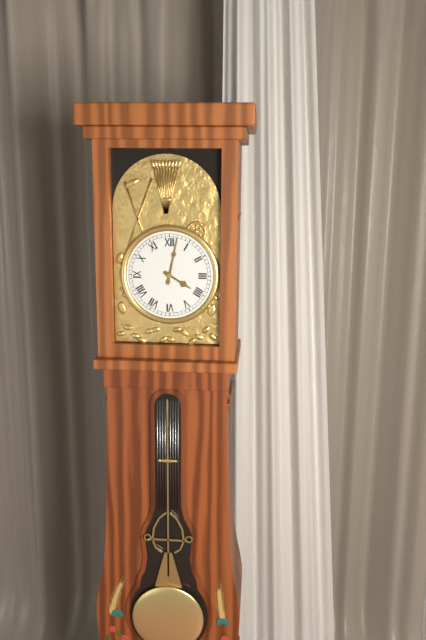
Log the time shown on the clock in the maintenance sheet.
4:02
